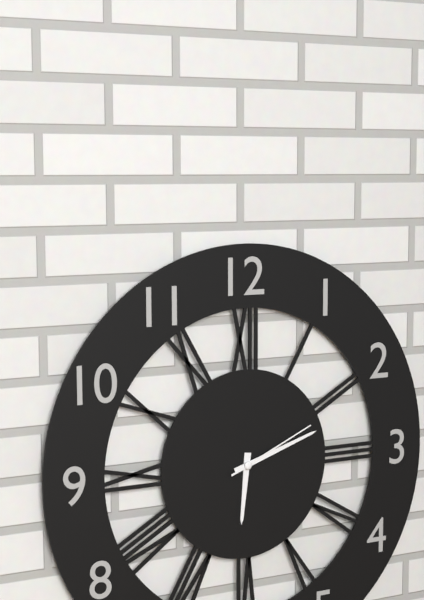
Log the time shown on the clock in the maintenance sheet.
6:12:11
